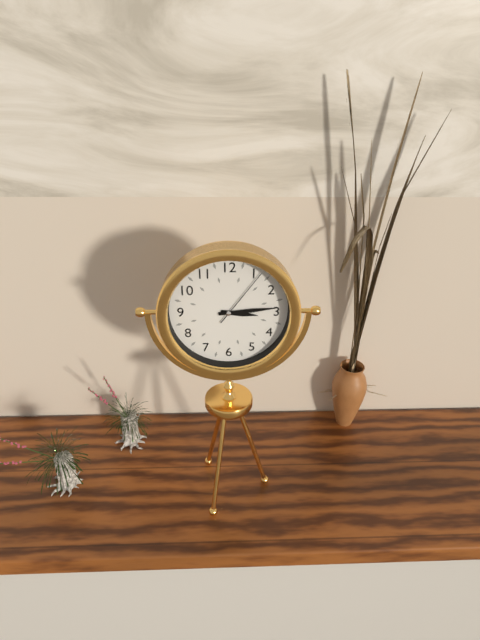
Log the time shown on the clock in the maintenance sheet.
3:14:06
